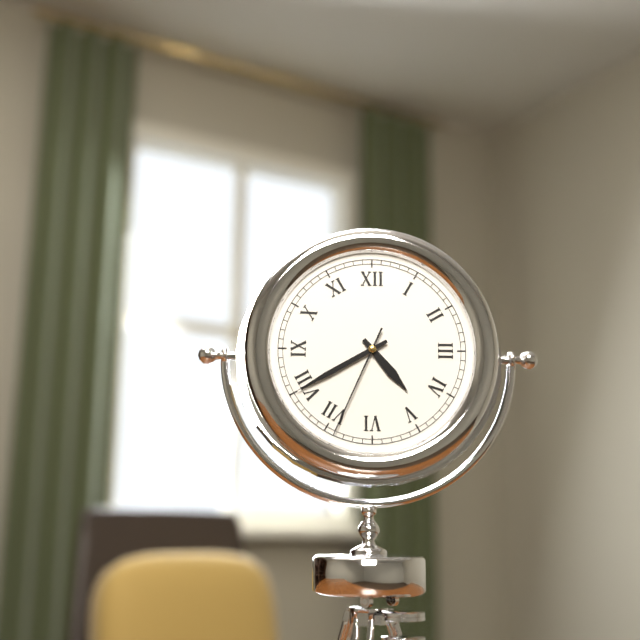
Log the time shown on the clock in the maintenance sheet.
4:40:34
